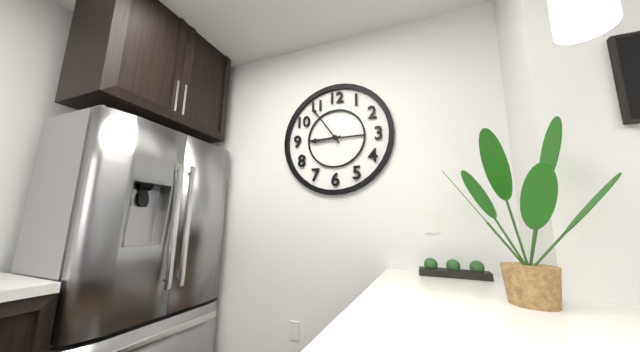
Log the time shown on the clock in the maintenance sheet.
8:54
